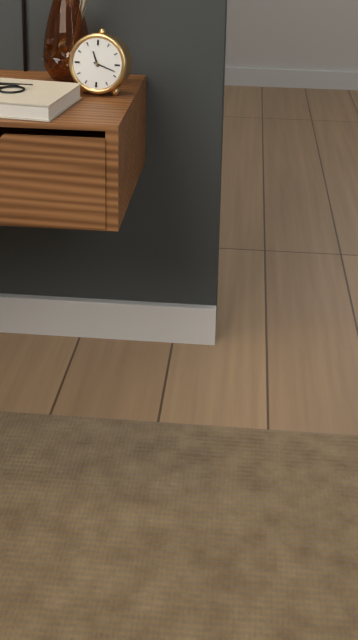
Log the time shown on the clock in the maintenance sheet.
11:18
